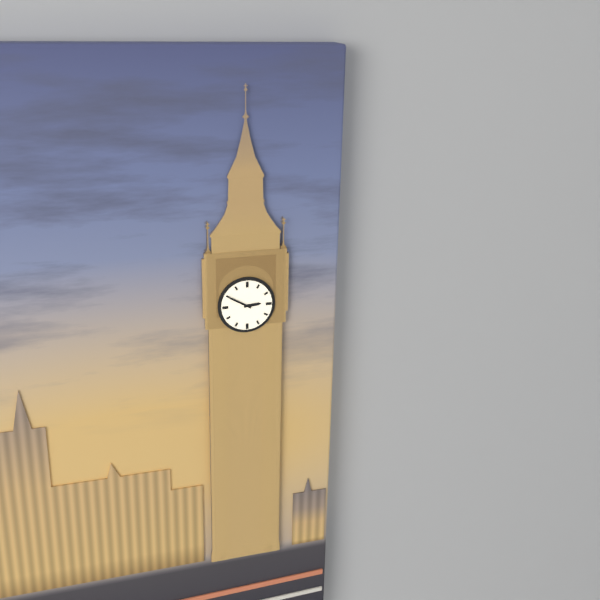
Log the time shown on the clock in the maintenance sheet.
2:50
